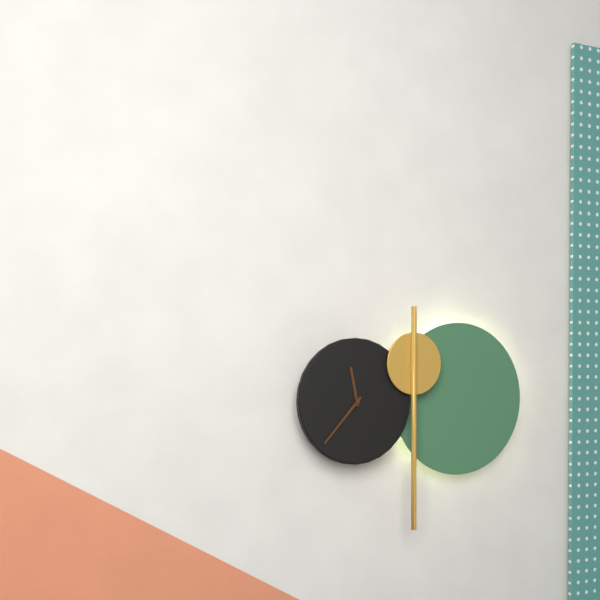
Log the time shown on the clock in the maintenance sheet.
11:37
